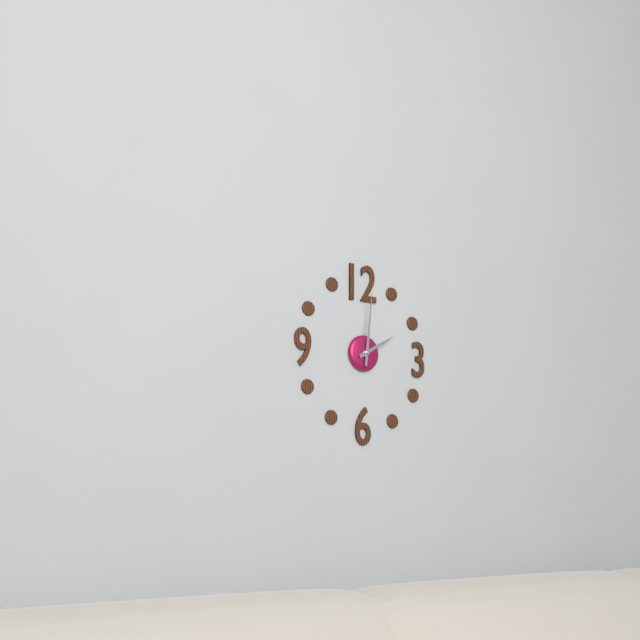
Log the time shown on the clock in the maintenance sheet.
2:01
